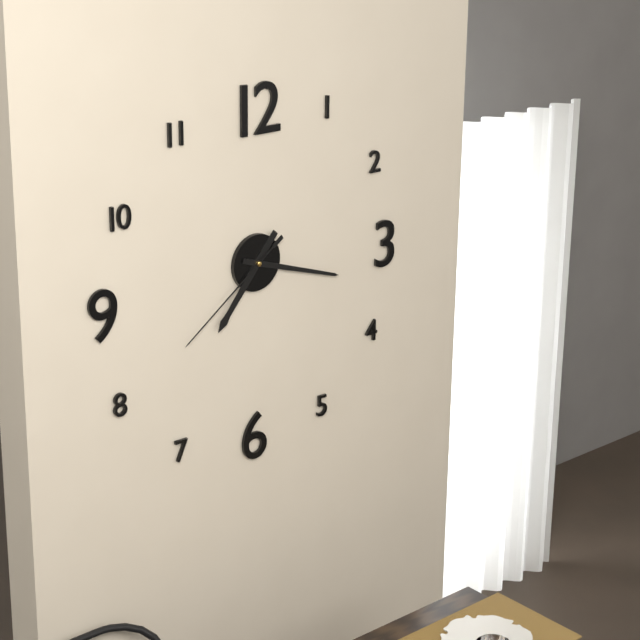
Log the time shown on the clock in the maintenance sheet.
7:18:39
